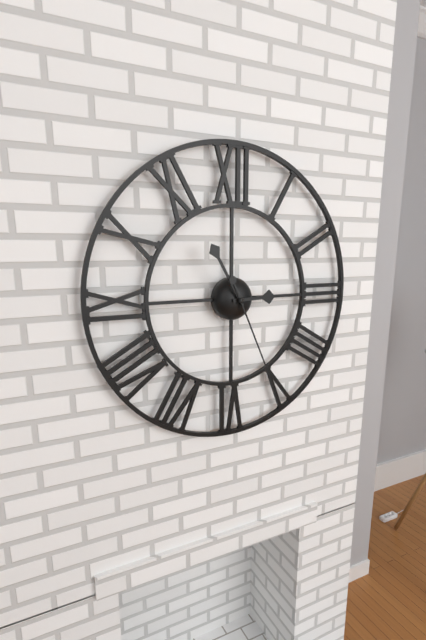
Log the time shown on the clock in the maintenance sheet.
2:55:26
